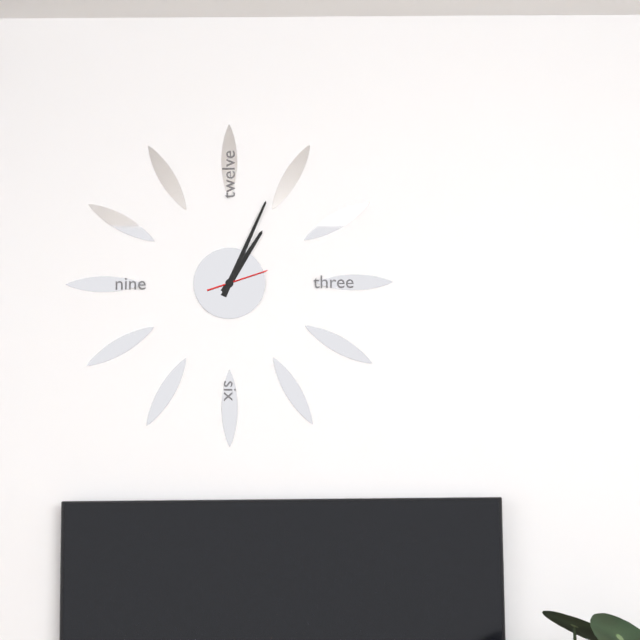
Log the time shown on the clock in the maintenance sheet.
1:04:12
